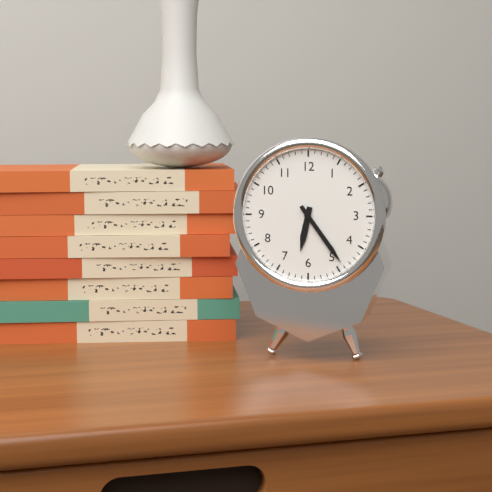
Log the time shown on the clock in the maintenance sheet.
6:24
